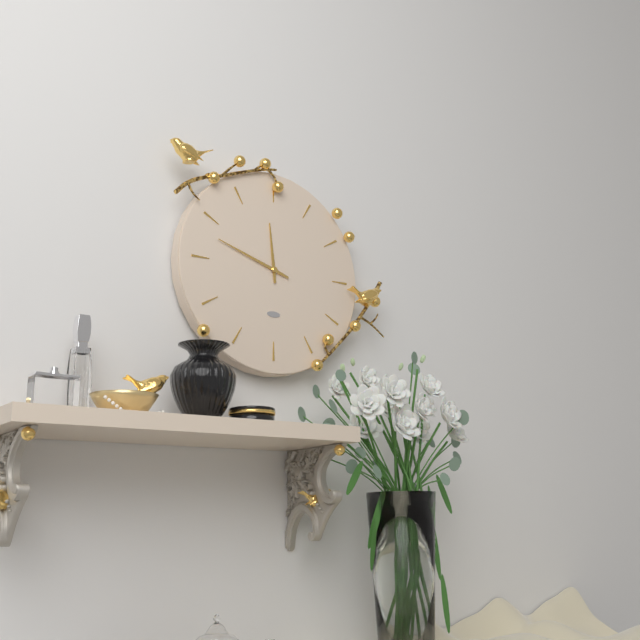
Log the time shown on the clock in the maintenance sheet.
11:48
